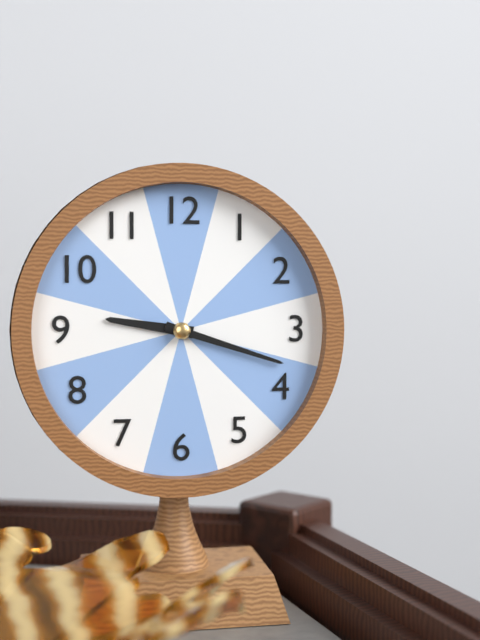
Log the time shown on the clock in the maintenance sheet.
9:18
